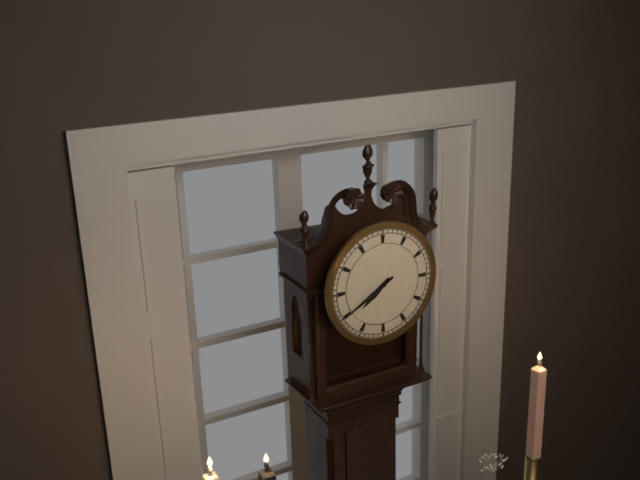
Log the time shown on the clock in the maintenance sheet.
7:40
